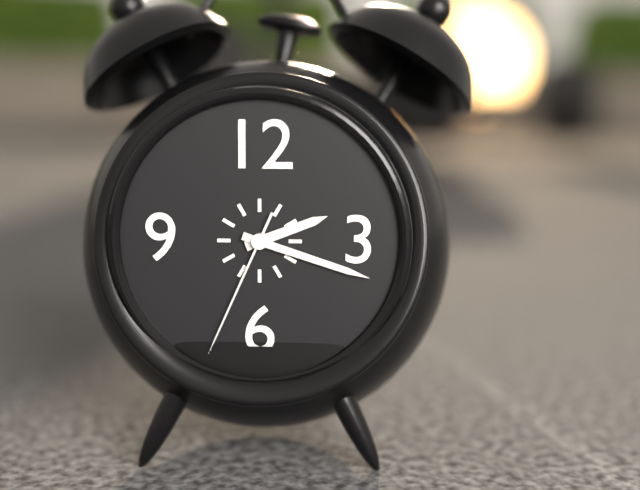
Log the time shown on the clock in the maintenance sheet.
2:18:34
